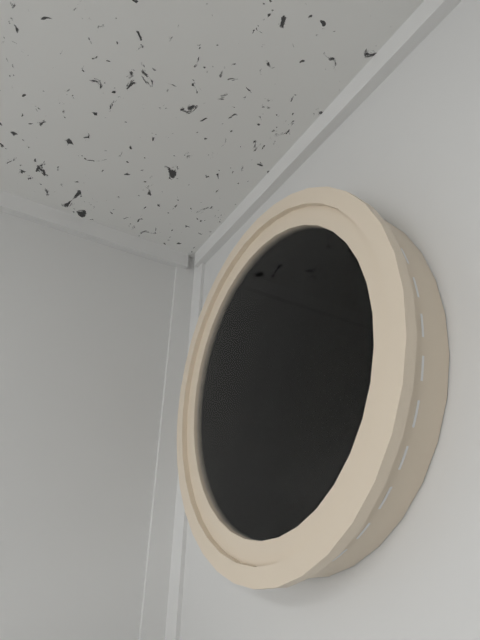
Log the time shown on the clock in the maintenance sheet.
4:23:15
